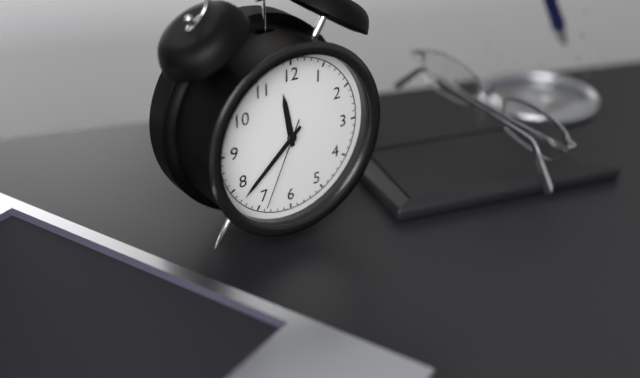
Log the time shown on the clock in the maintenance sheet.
11:38:34
